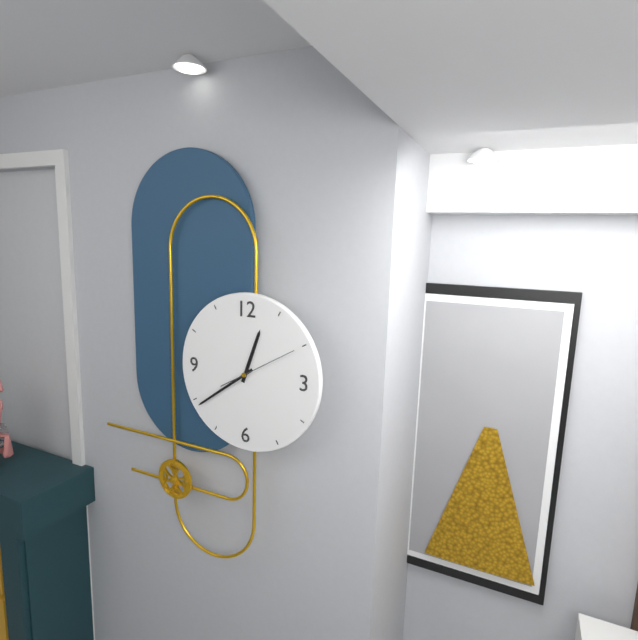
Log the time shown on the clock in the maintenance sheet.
12:39
